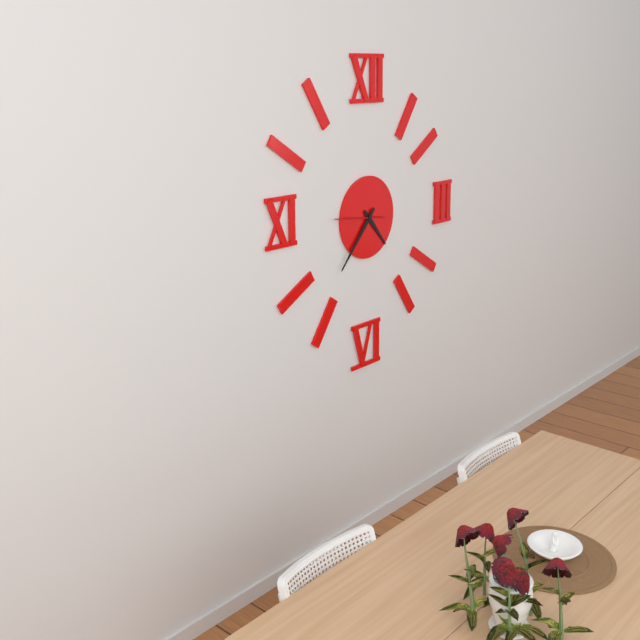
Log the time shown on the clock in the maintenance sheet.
4:37
